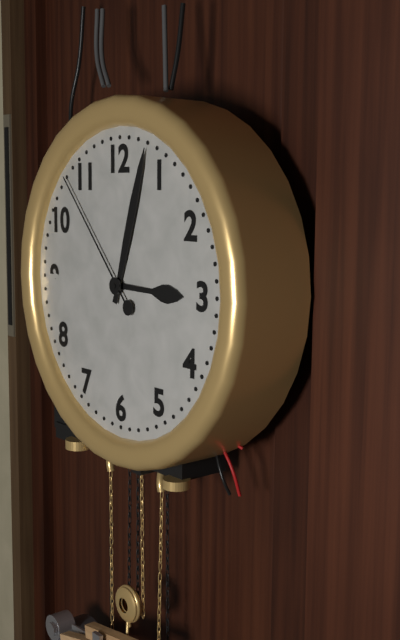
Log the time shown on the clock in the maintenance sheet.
3:03:53
